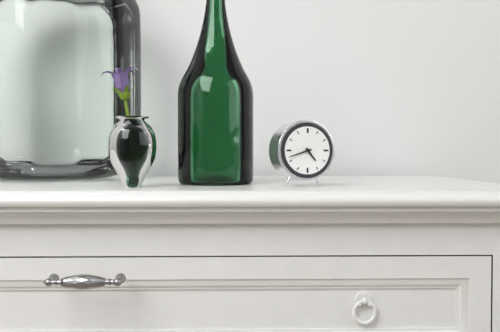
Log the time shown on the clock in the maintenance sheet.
4:42
